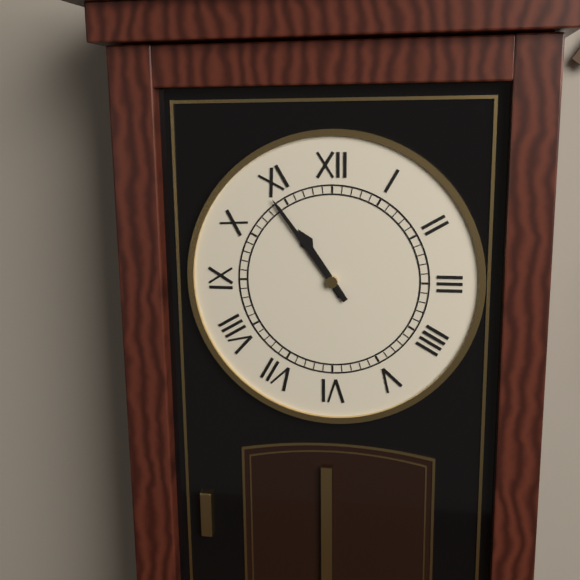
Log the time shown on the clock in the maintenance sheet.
10:54
